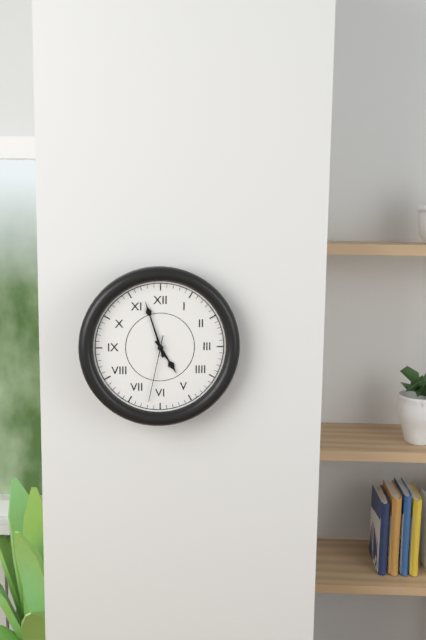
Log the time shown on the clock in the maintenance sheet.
4:57:32
